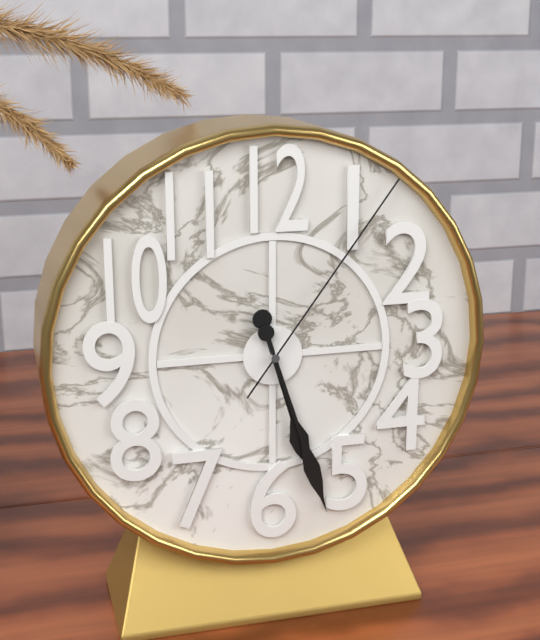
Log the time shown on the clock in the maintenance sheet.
5:27:06
